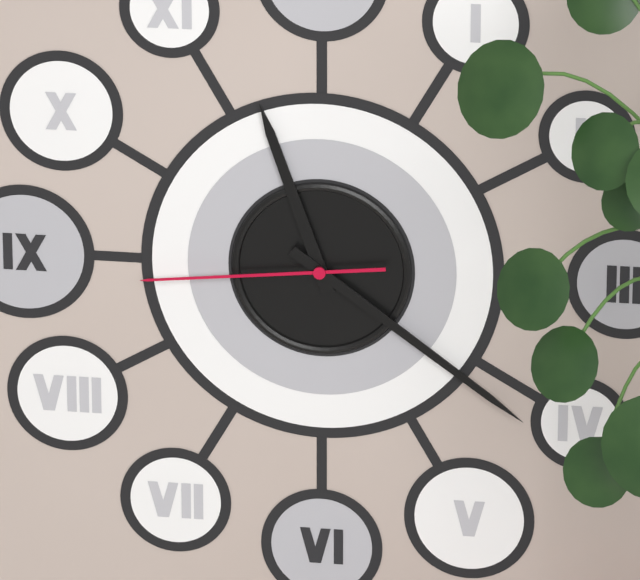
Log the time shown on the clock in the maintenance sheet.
11:21:44
